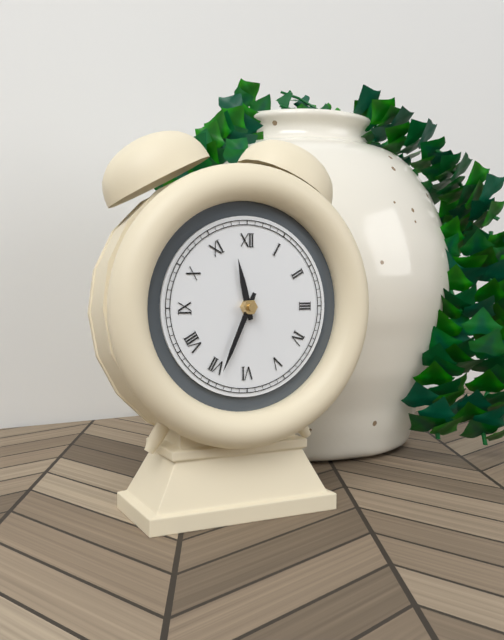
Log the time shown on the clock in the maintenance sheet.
11:34
